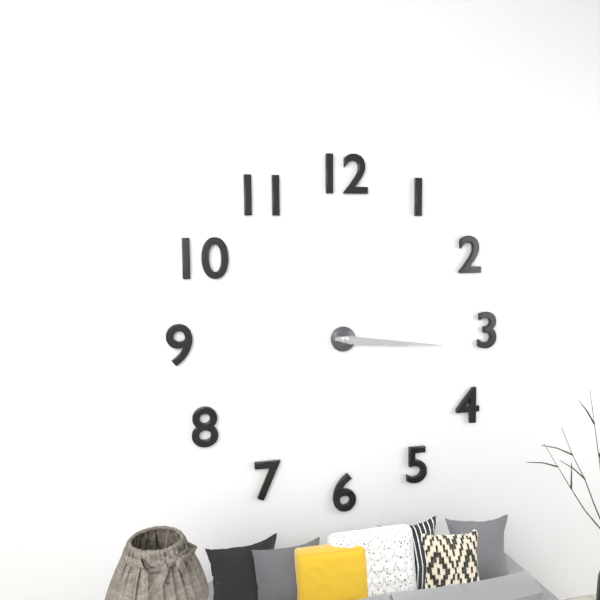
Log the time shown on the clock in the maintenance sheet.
3:16
